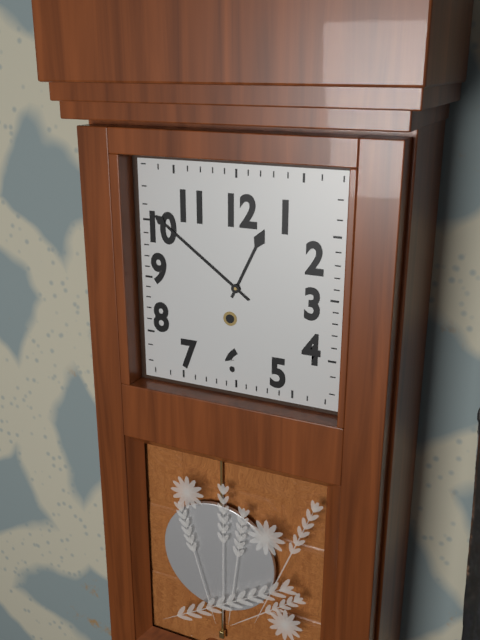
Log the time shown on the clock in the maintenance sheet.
12:51
